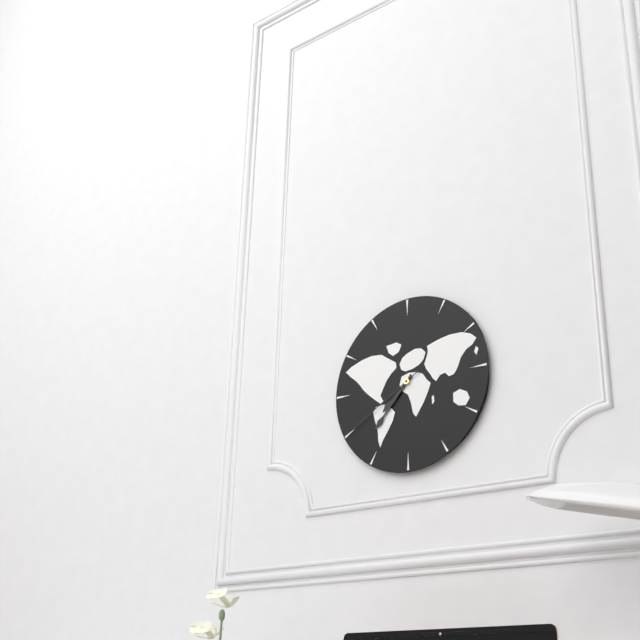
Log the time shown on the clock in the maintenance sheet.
7:37:40
